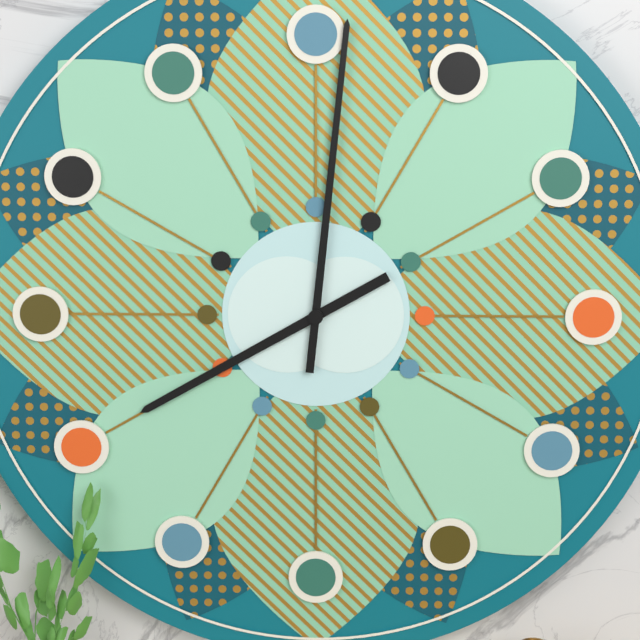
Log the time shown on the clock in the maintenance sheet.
8:01
